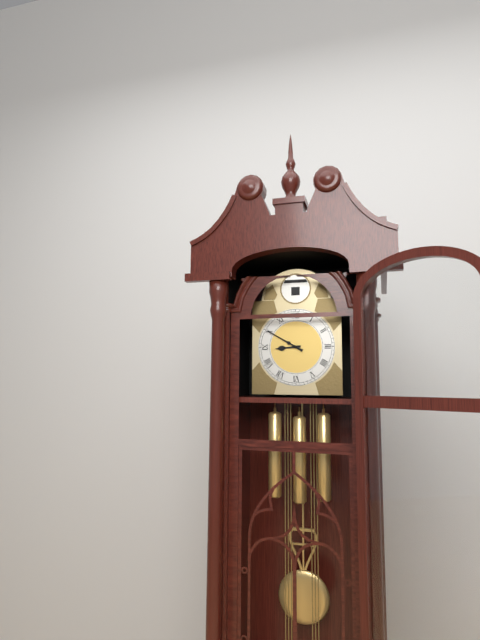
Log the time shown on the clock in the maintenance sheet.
8:50
